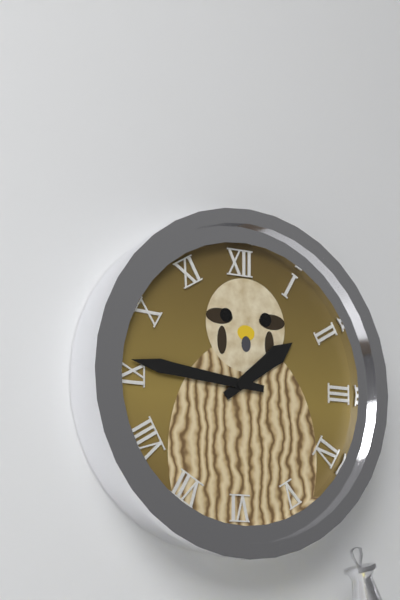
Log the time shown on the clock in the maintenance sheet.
1:46
